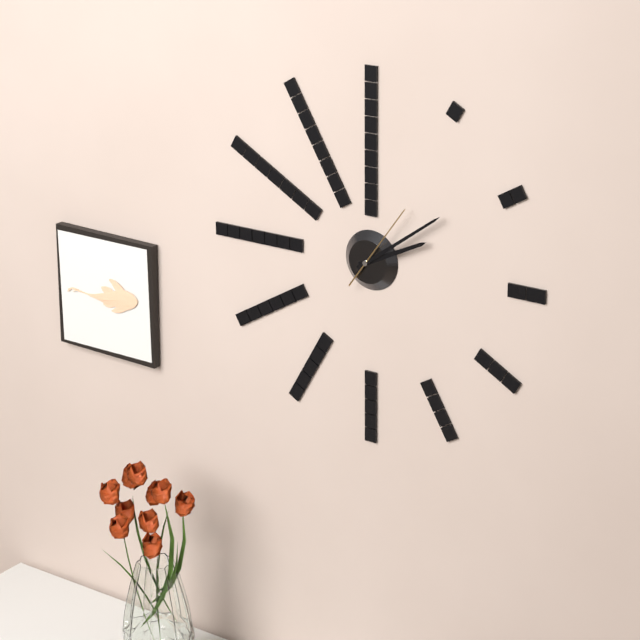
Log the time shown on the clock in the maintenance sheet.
2:09:06
